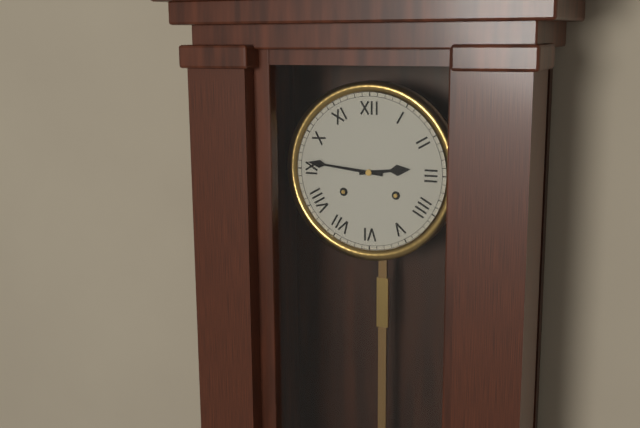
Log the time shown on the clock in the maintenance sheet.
2:46
